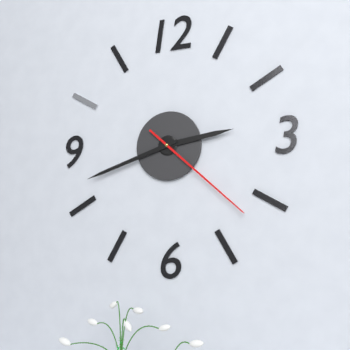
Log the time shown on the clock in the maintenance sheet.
2:42:22
